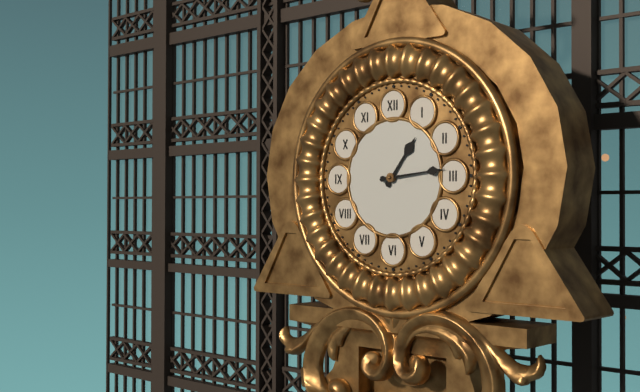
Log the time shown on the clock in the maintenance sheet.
1:14
